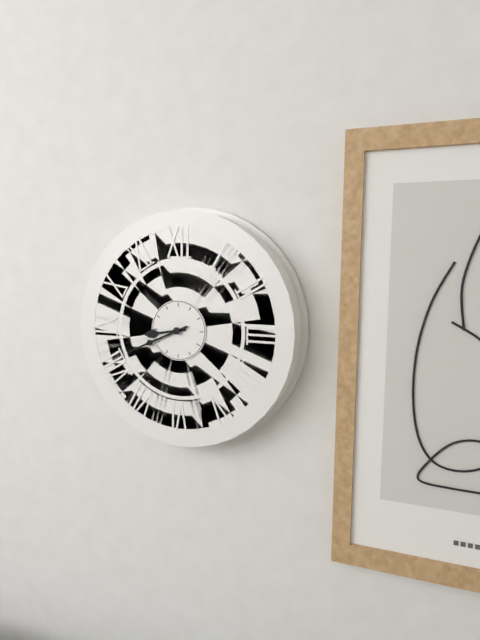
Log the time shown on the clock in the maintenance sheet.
8:41
